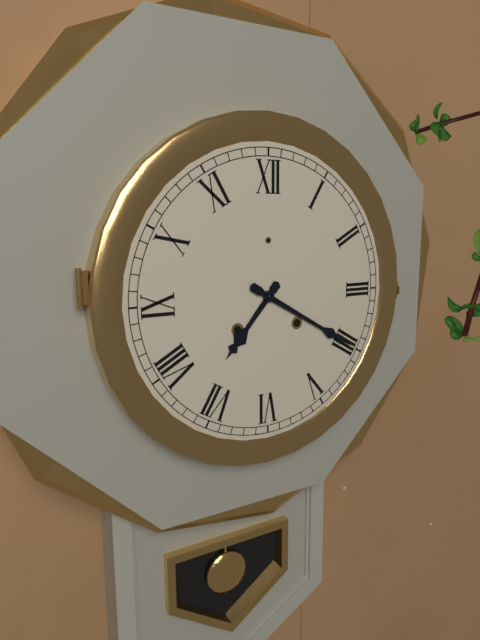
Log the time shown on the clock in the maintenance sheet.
7:20
